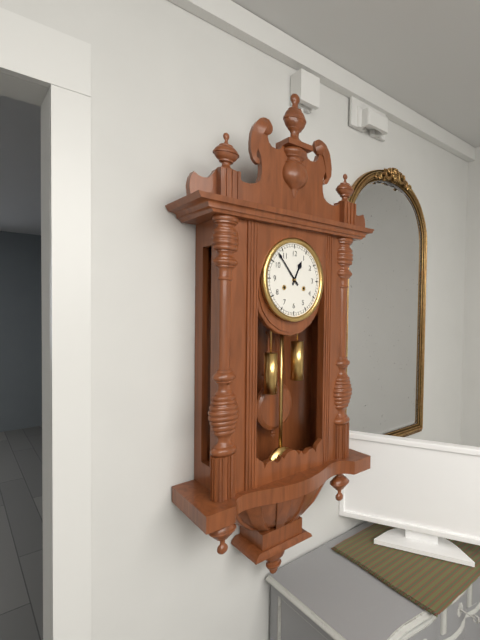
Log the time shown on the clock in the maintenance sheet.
12:53
